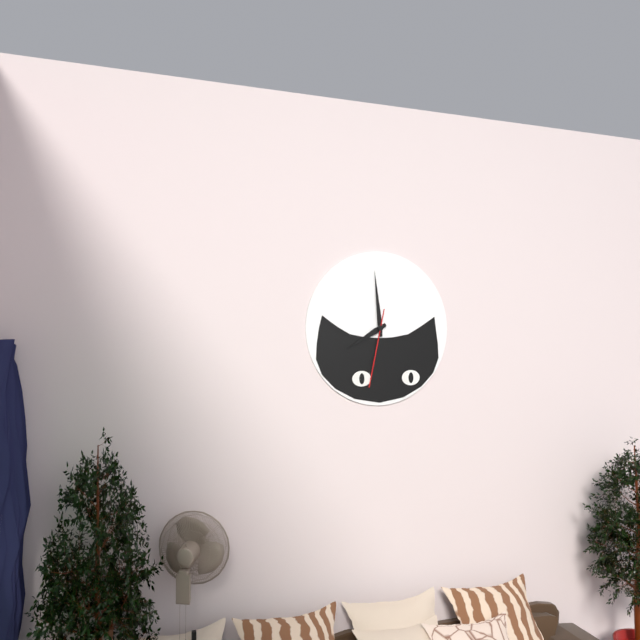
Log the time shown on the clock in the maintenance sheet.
7:59:32
